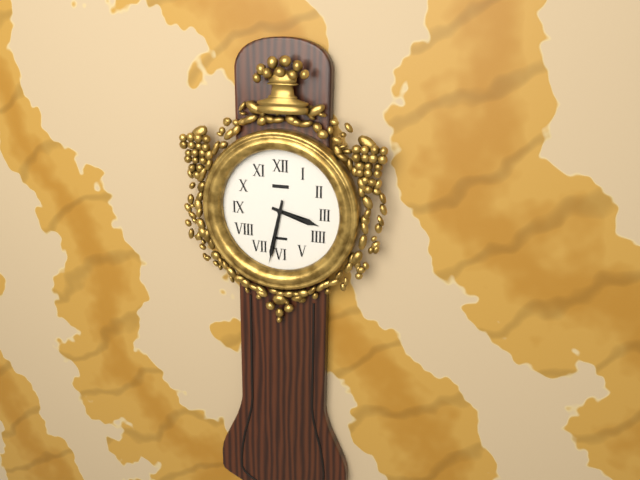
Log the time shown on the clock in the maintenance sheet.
3:32
